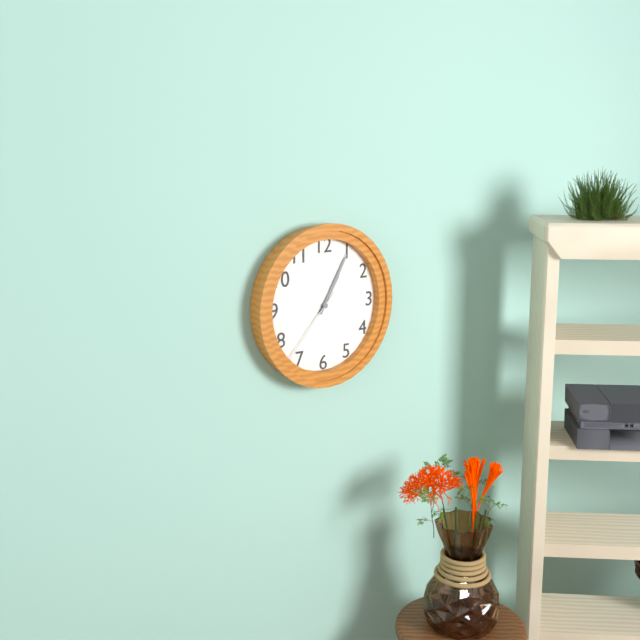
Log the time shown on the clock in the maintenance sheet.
1:05:37
